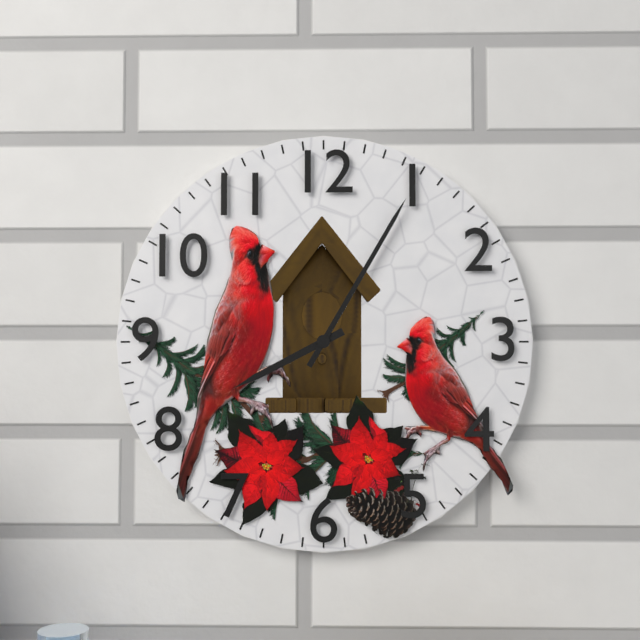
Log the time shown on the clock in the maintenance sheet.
8:05
